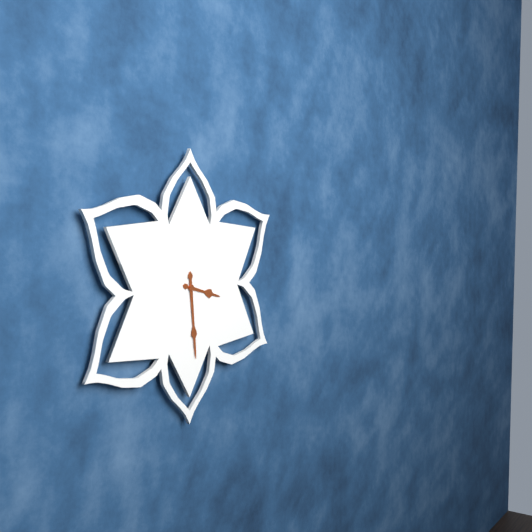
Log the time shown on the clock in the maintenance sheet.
3:29
